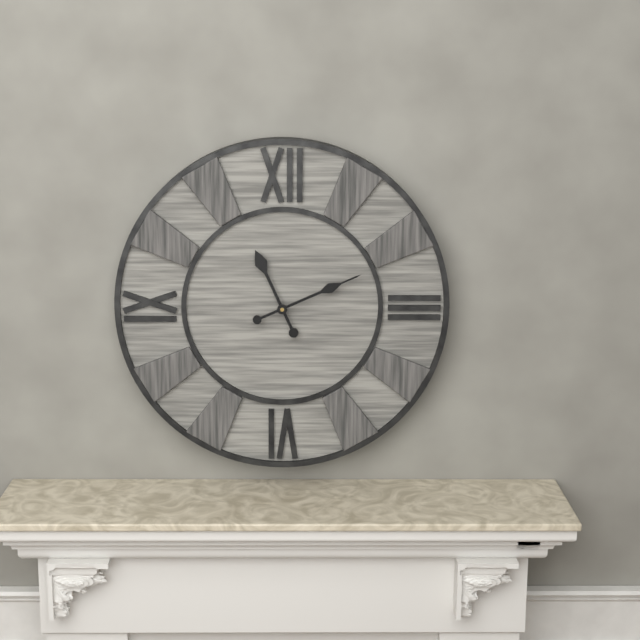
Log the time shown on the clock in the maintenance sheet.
11:11
